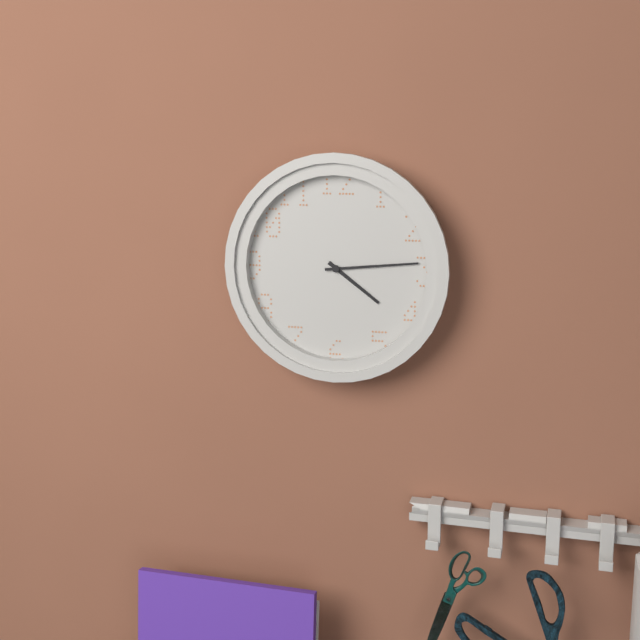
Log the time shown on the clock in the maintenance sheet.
4:14
